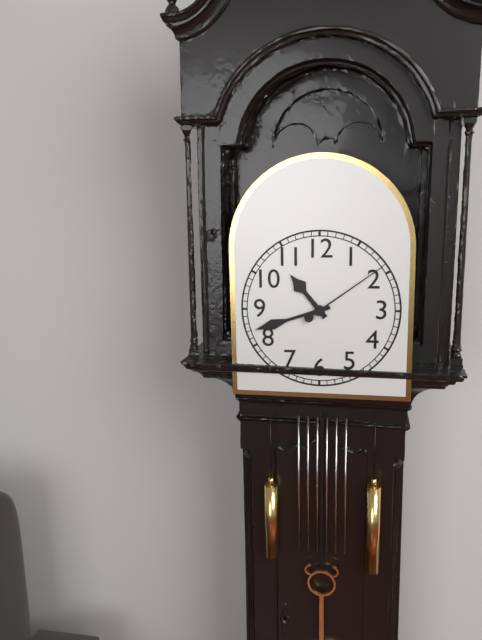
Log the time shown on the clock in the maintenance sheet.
10:42:09
